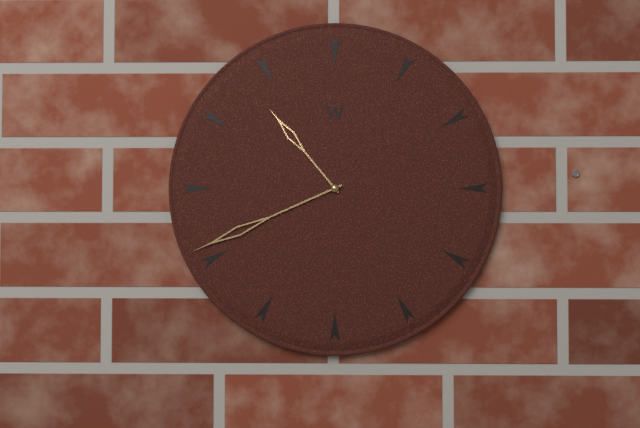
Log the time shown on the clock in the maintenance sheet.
10:41
